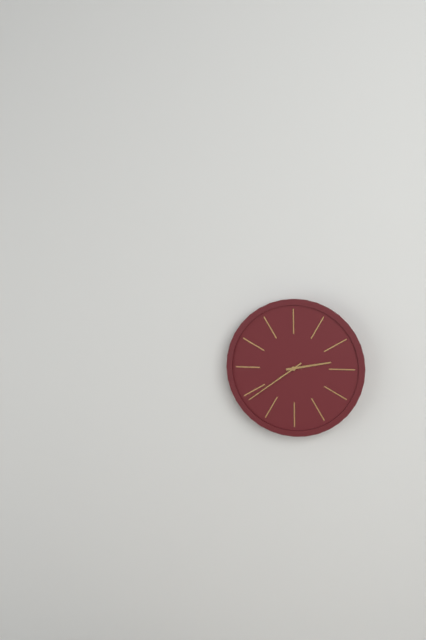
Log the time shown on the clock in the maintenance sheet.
2:39
